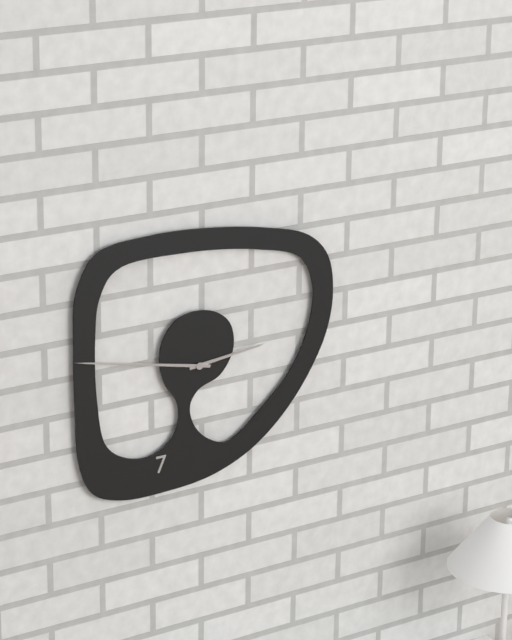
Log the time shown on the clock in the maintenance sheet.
2:47
